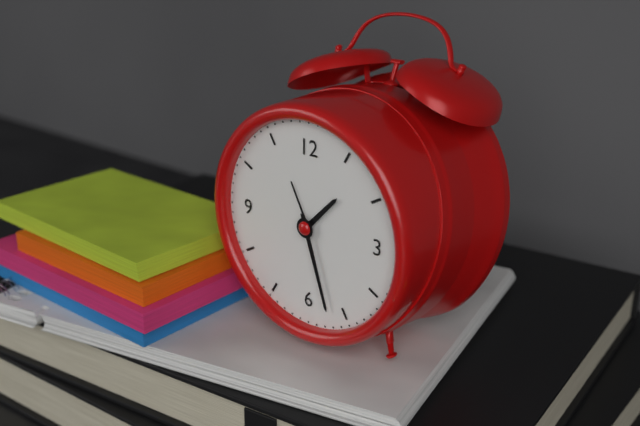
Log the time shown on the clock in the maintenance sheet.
1:27
